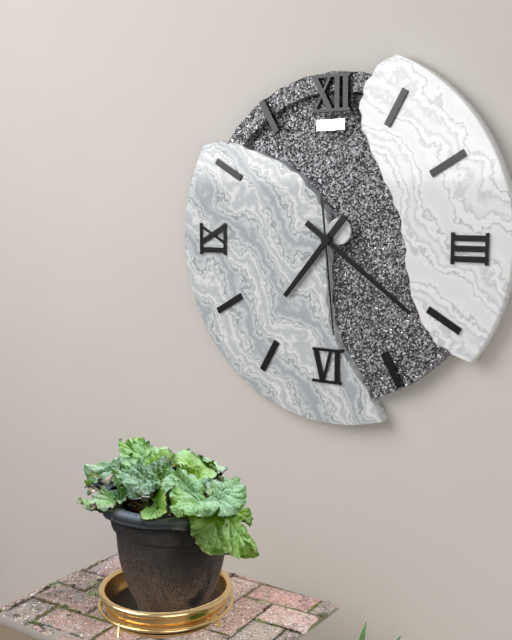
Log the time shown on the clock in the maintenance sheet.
7:21:29
